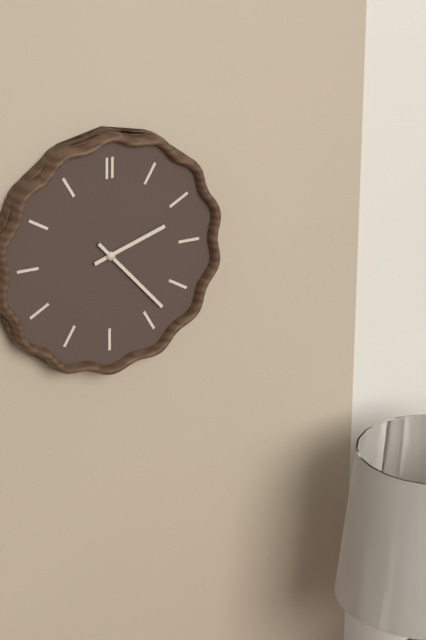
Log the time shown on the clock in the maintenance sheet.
2:23
